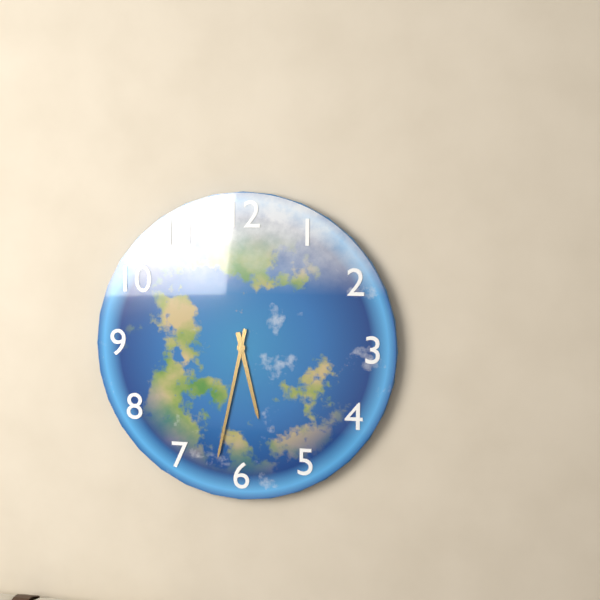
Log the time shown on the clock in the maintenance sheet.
5:32
